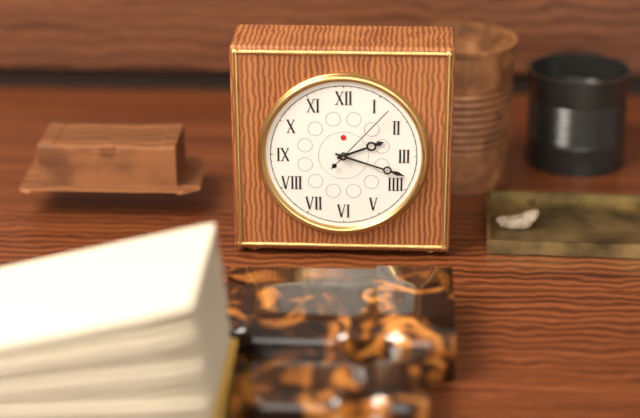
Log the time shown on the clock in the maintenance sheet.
2:18:07
